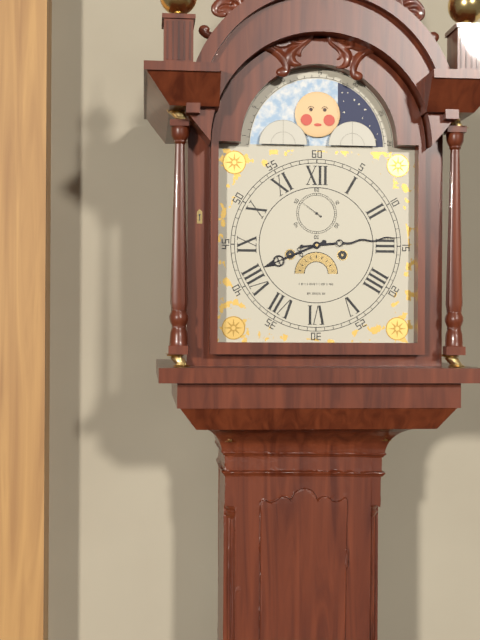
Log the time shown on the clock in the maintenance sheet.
8:14
